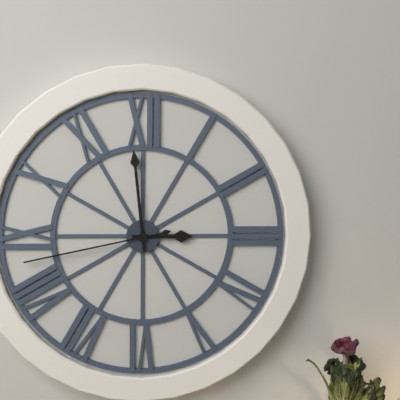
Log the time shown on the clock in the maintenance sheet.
2:59:43
